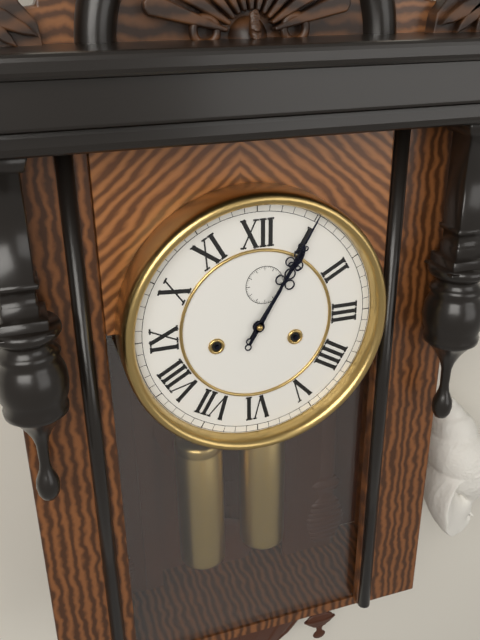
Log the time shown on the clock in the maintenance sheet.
1:05
